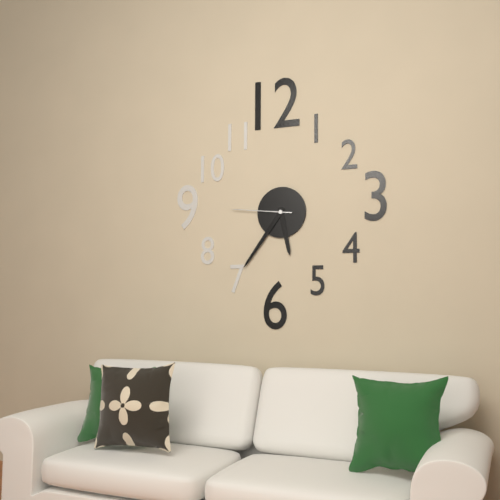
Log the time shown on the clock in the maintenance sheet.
5:36:46
